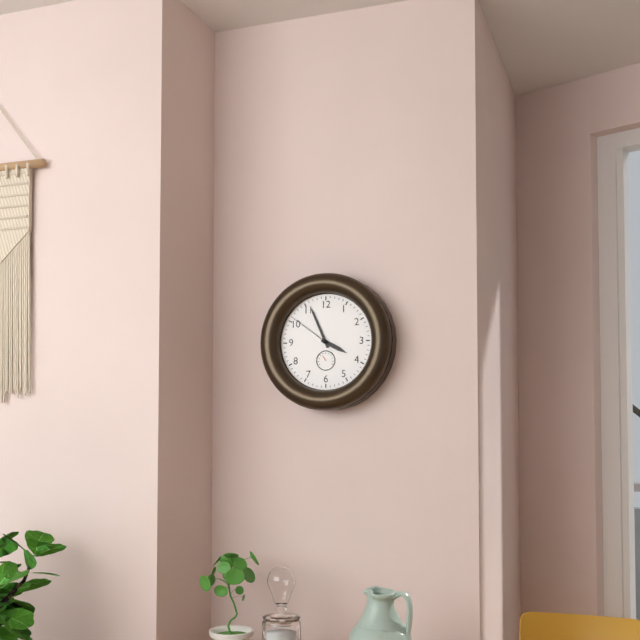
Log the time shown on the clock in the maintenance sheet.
3:56:51
